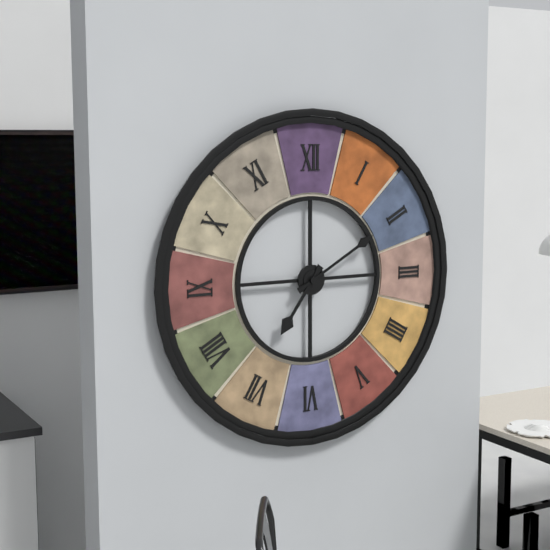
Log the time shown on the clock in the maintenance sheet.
7:10
